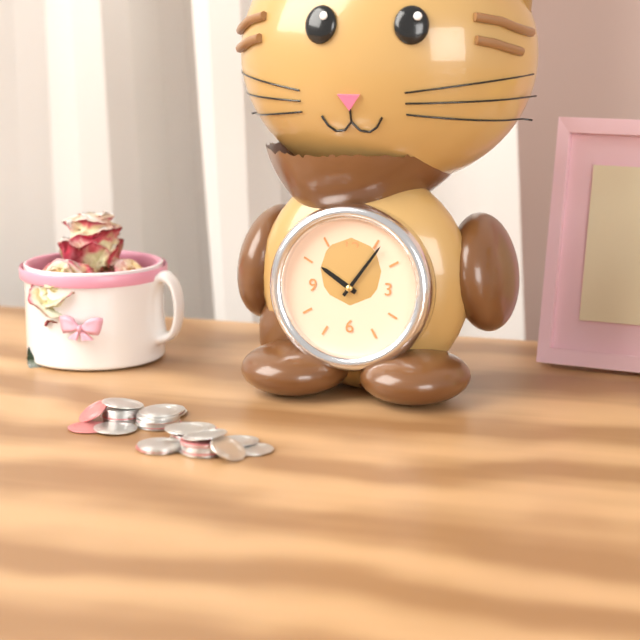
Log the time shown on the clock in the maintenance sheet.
10:06
